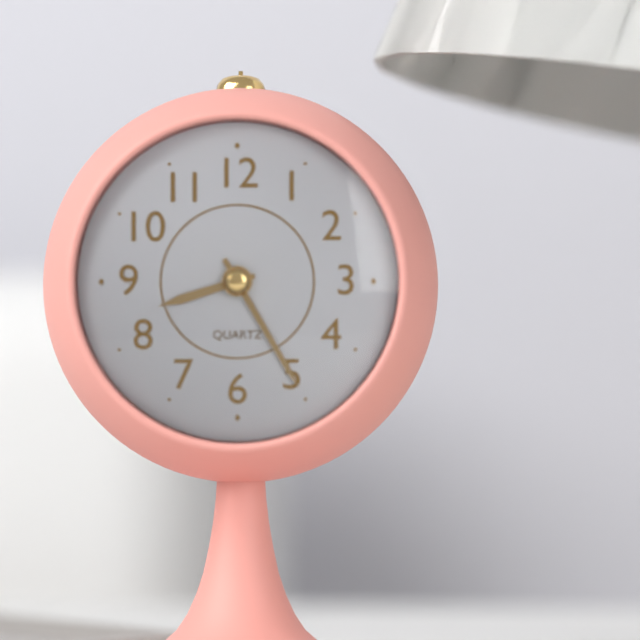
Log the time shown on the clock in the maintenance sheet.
8:25
